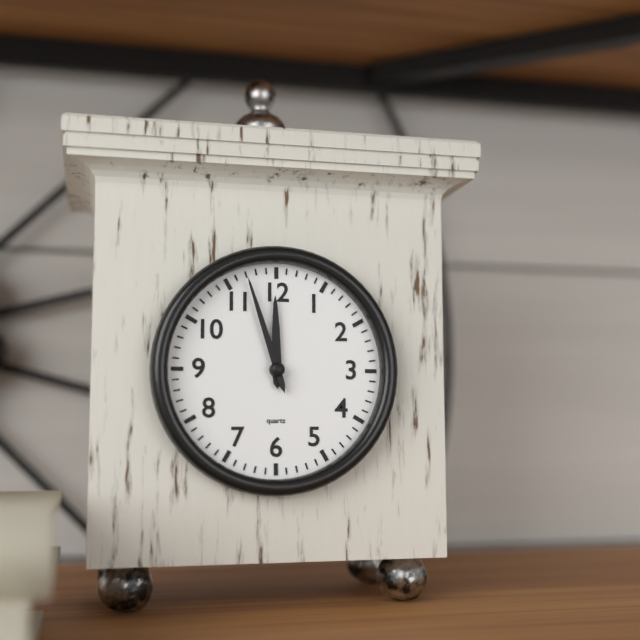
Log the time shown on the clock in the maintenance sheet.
11:57
